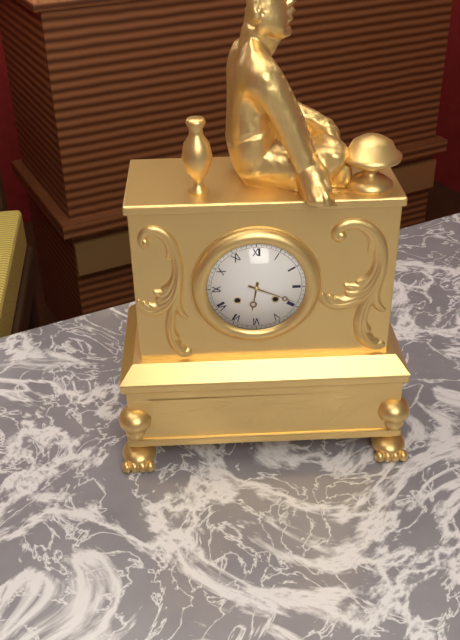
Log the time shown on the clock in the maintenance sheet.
6:19
